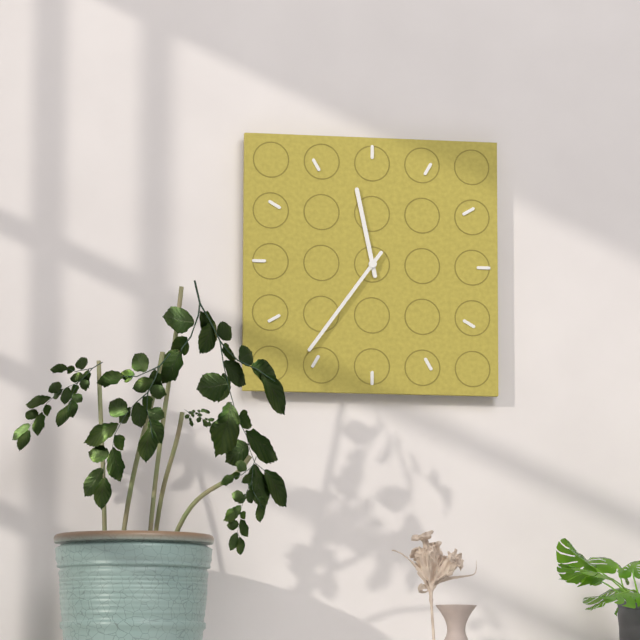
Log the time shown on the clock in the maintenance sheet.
11:36
